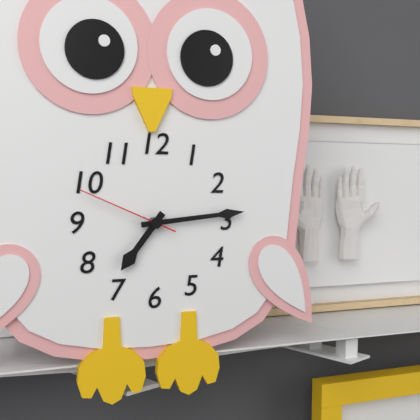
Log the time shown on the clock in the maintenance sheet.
7:14:49
